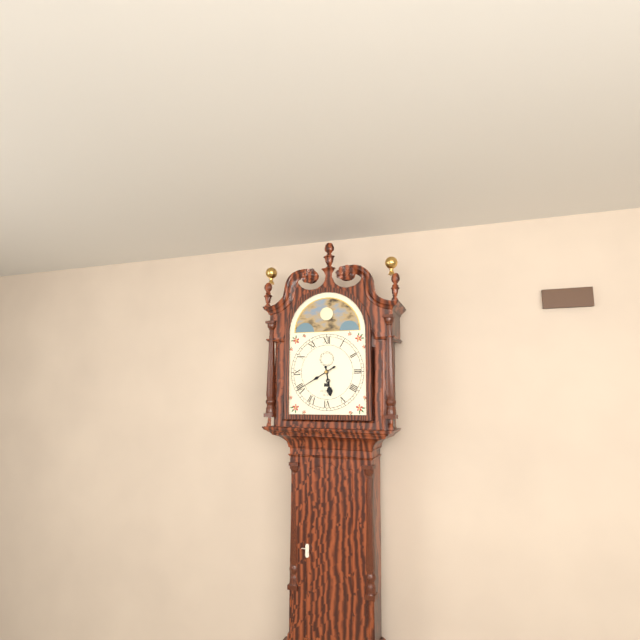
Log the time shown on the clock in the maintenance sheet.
5:40
